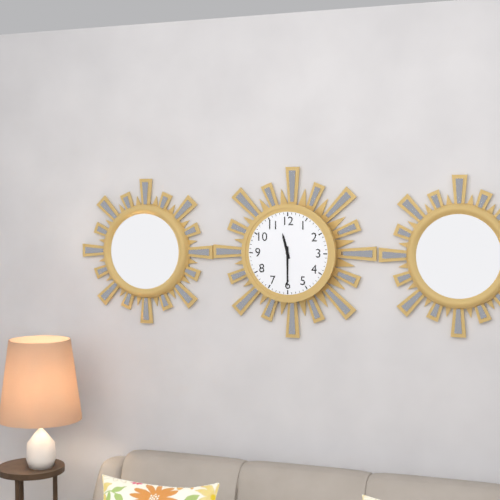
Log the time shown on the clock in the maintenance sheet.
11:30
